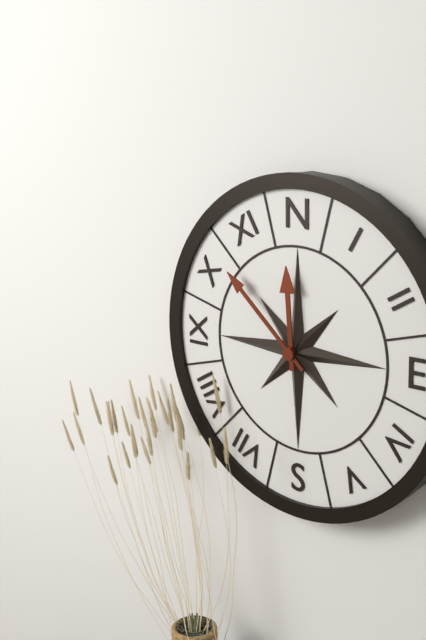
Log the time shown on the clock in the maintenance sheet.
11:52
